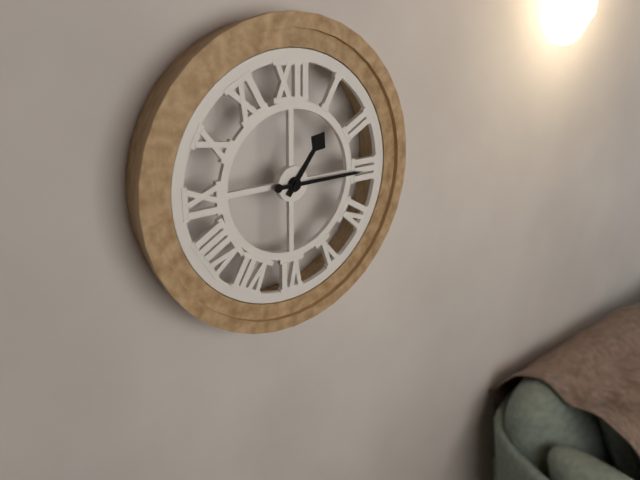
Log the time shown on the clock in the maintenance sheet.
1:15
